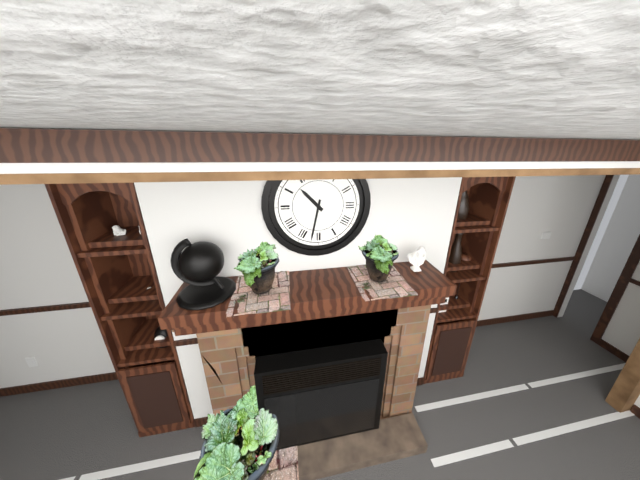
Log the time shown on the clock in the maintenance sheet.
10:32
